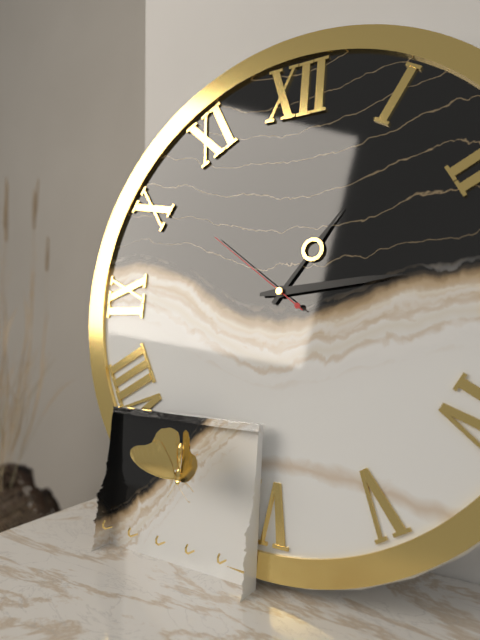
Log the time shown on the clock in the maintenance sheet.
1:14:51
